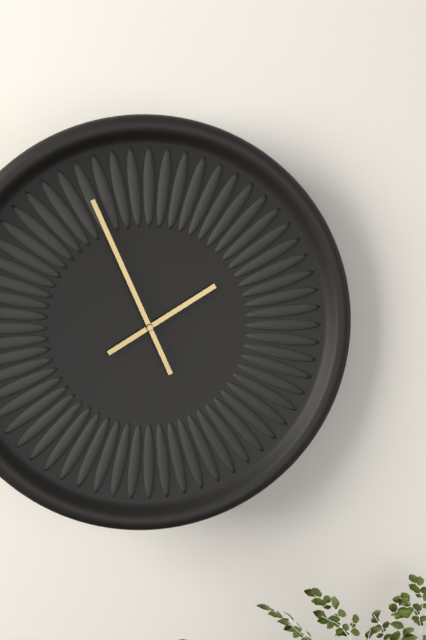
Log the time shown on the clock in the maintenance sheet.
1:56
